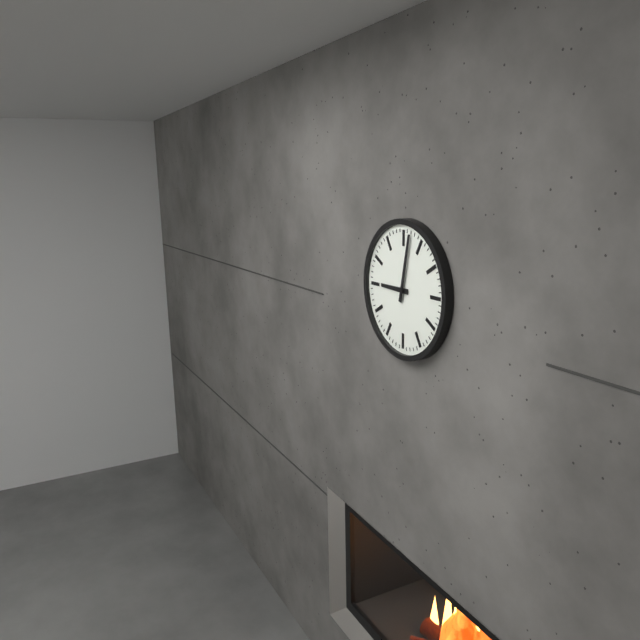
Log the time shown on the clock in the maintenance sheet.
9:02
